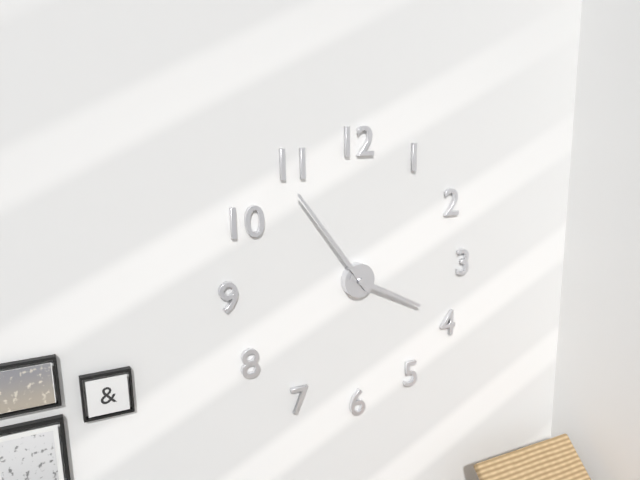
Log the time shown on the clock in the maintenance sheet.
3:54
